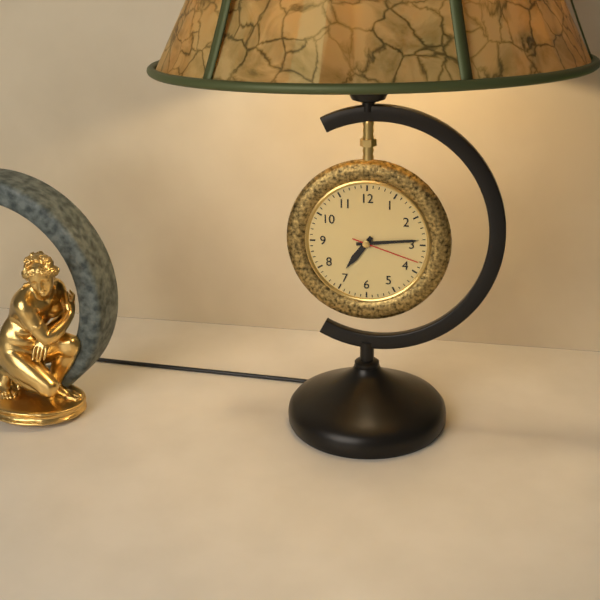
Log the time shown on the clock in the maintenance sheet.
7:14:18
